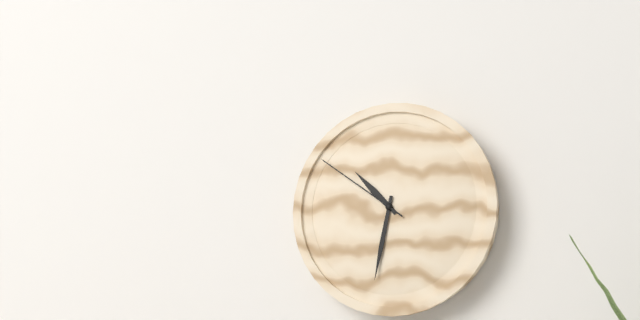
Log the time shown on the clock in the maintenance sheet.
10:32:51
